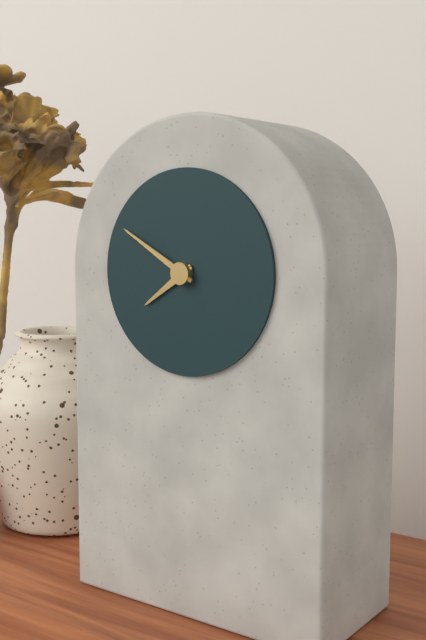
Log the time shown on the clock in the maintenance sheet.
7:50
